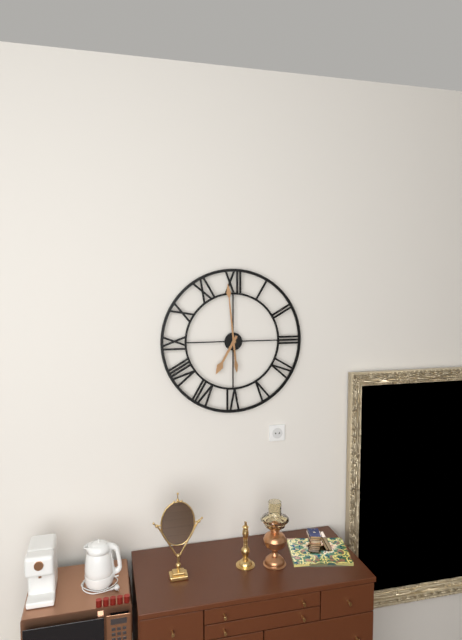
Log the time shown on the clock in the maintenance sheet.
6:59
